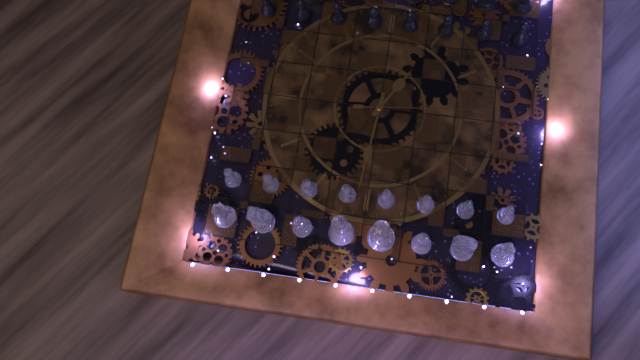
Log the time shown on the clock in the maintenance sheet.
7:01:44
